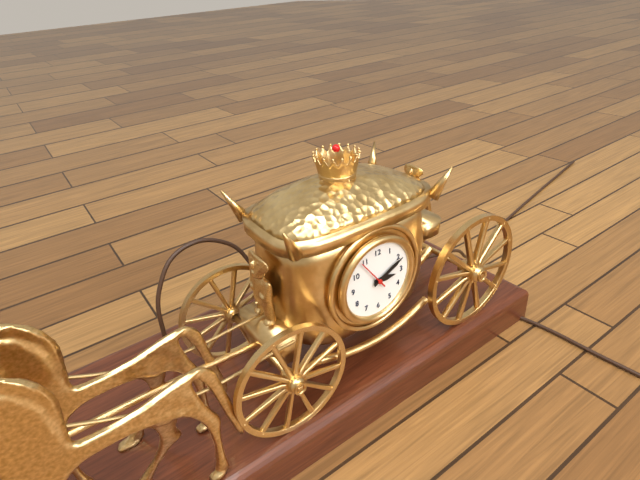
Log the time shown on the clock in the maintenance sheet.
3:11
